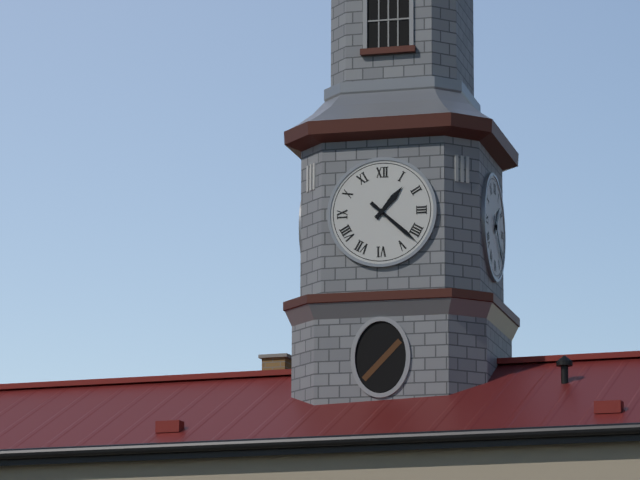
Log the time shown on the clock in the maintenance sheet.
1:22
